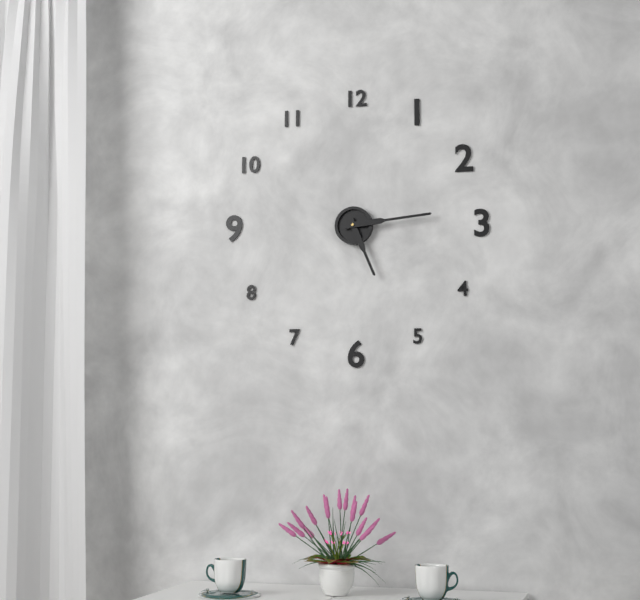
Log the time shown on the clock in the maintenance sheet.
5:14
